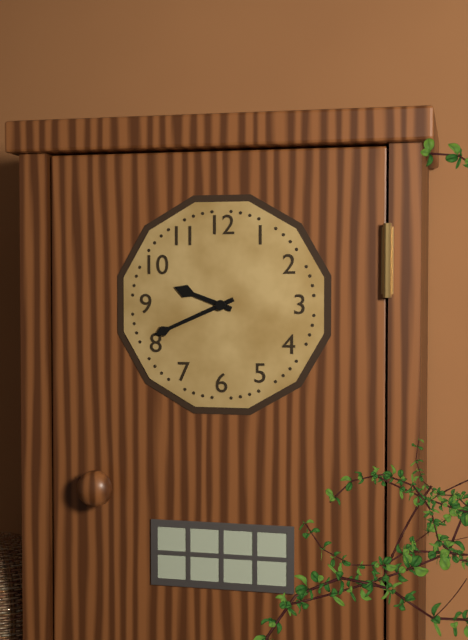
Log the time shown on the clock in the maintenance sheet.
9:41
